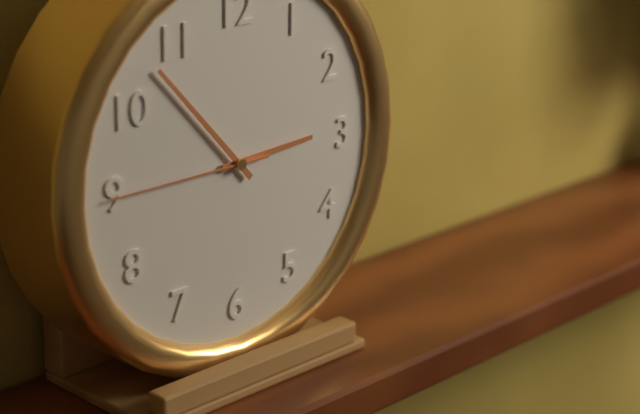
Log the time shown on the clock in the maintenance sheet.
2:53:45
